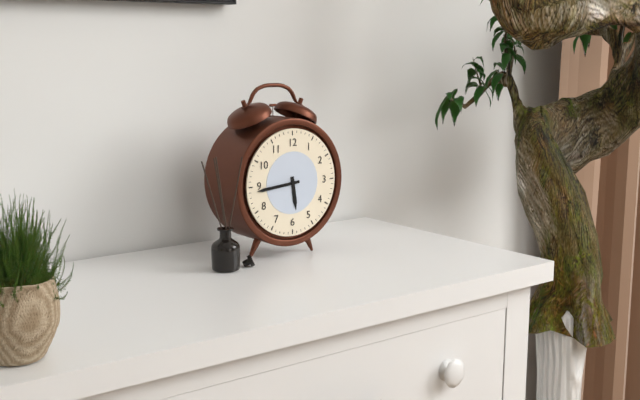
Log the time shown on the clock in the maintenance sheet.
5:44
